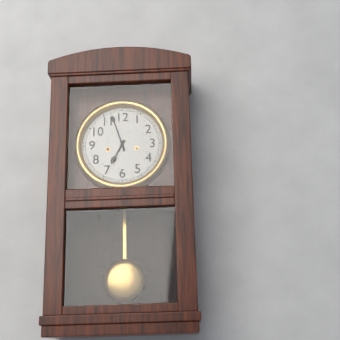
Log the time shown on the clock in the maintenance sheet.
6:57
